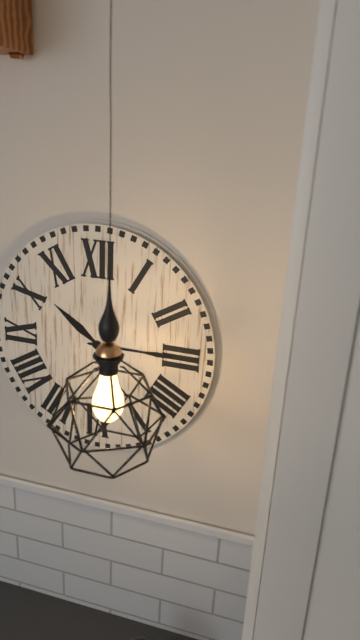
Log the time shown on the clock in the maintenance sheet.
10:15
